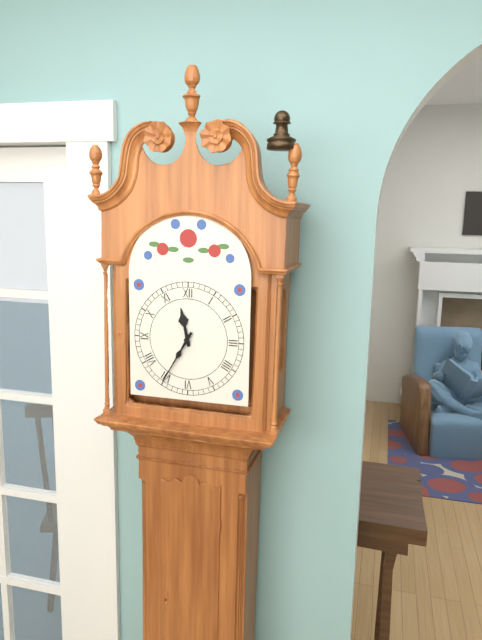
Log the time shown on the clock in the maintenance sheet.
11:35
